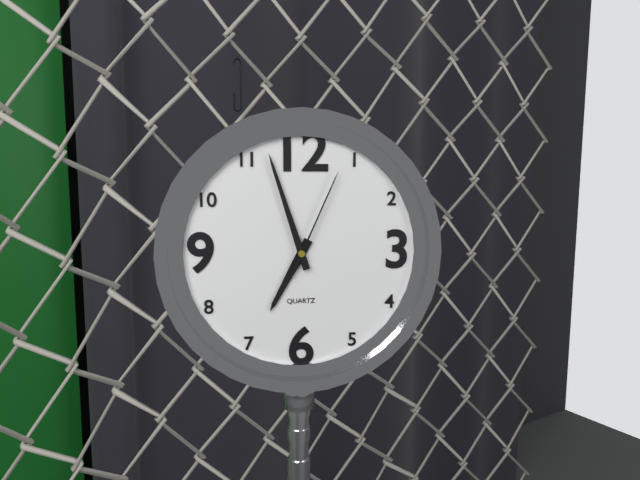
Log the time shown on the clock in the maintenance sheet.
6:57:04
